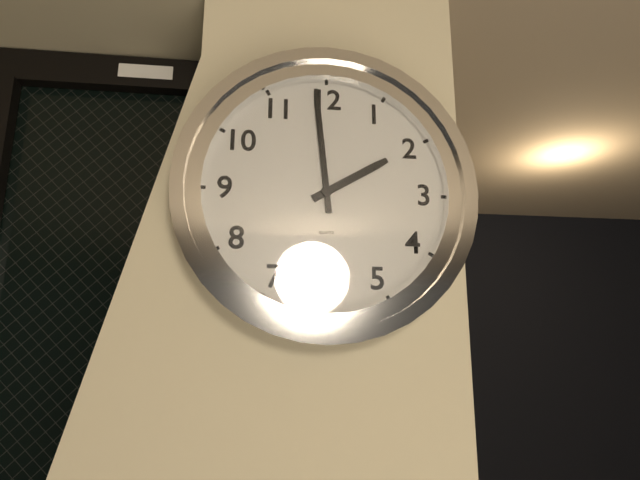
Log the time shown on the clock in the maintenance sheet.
1:59
